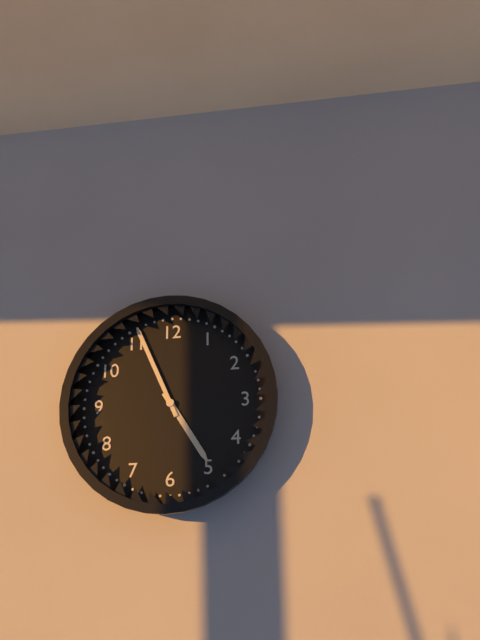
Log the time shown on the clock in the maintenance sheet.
4:56
